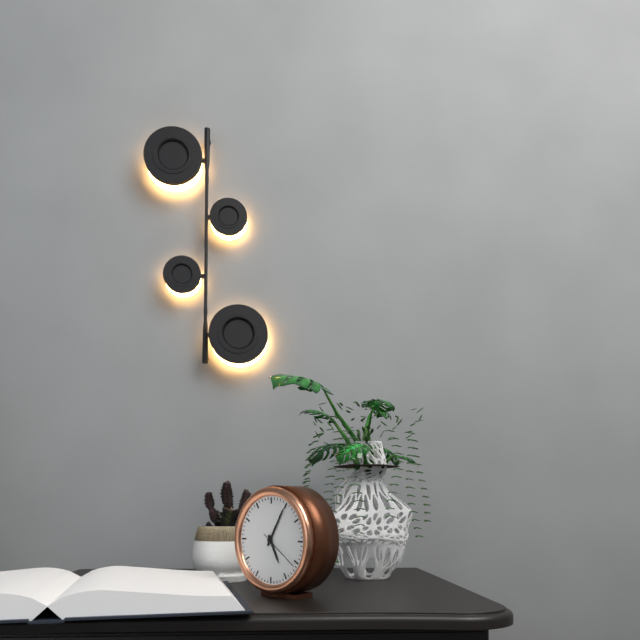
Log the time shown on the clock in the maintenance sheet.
5:05
